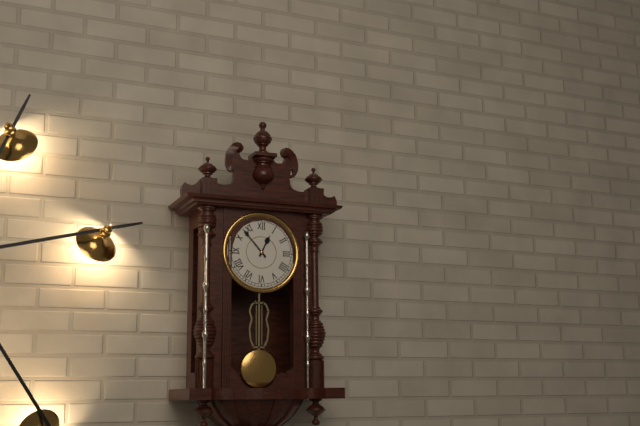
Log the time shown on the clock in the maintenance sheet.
12:53
